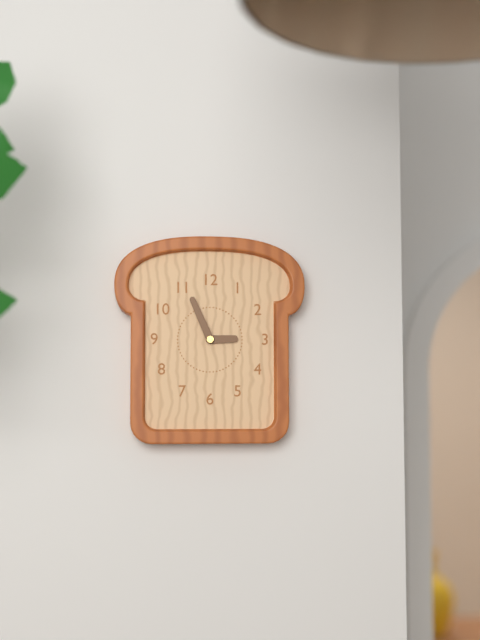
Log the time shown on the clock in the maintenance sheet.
2:56
